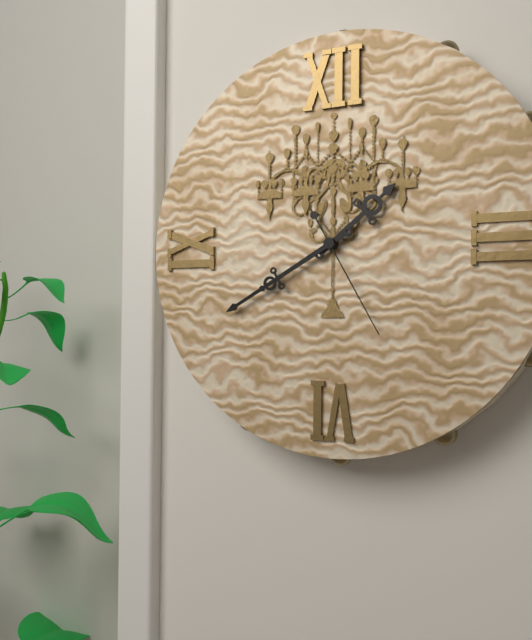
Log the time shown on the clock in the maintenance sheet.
1:40:25
